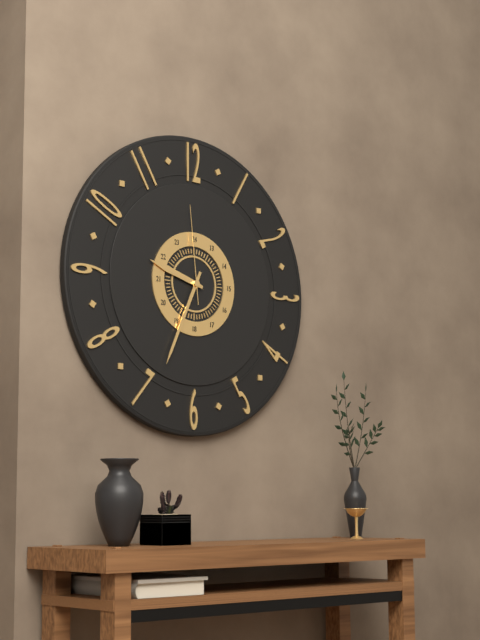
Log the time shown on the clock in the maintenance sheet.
9:34:59
